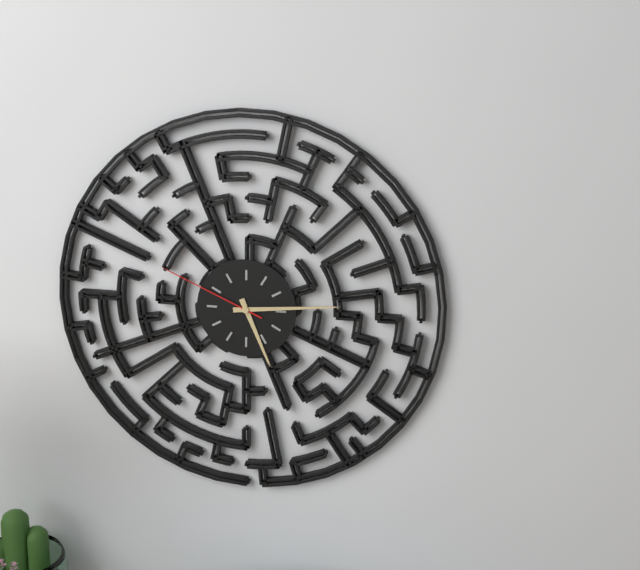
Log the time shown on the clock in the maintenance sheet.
5:14:49
